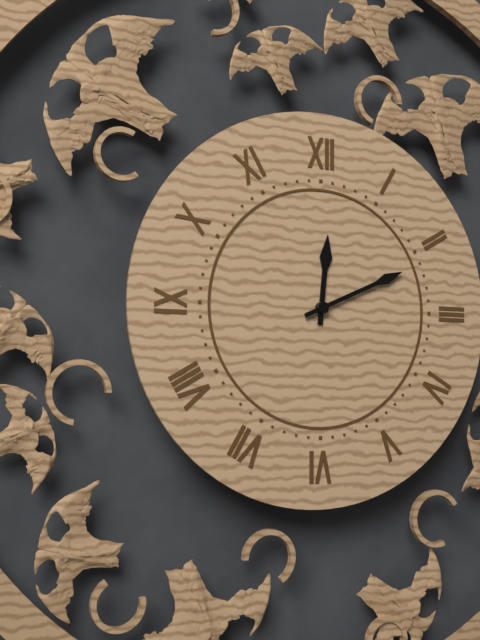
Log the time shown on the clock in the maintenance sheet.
12:11
